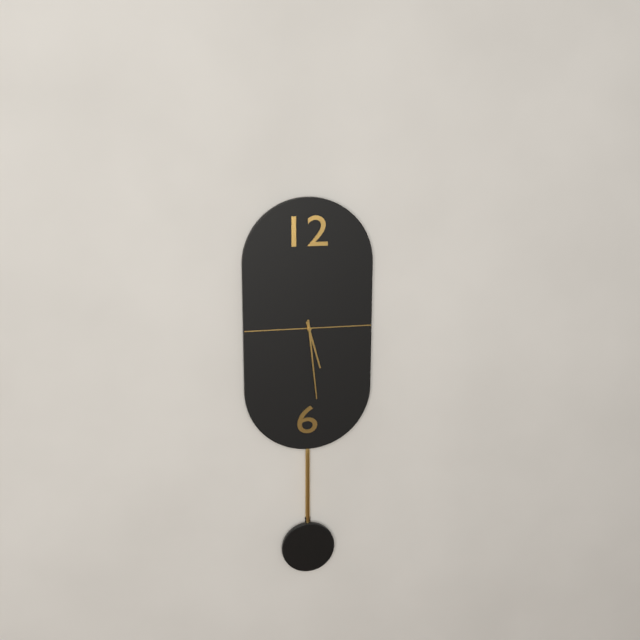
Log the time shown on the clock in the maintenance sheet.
5:29
